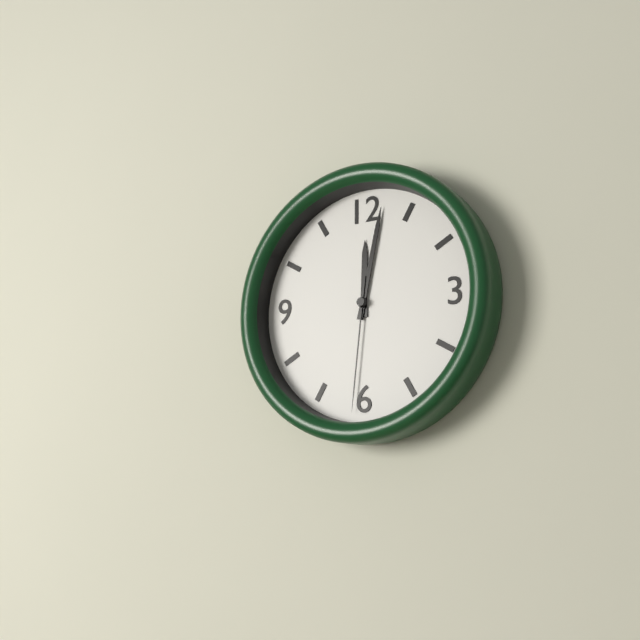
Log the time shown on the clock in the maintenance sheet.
12:02:31
